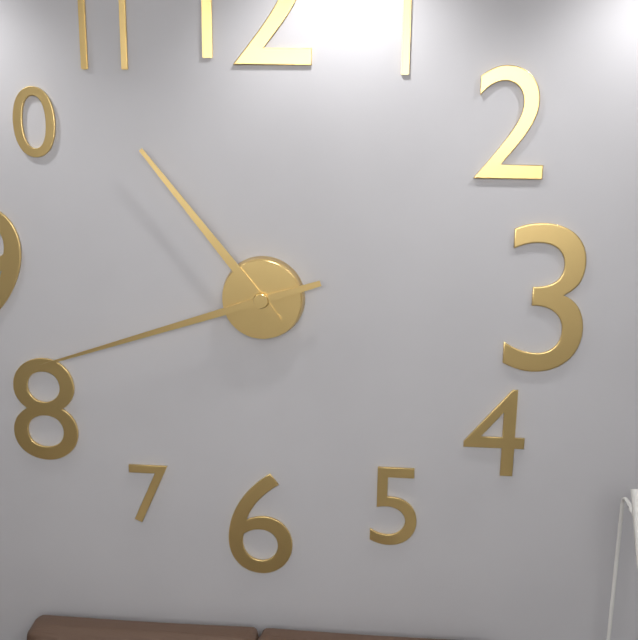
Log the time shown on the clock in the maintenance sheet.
10:42
